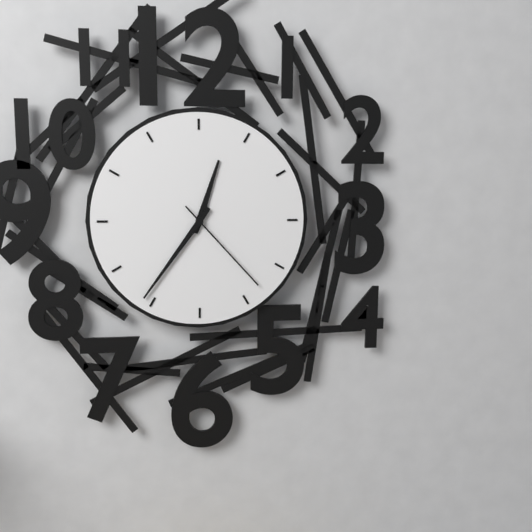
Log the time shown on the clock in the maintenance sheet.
12:36:23
